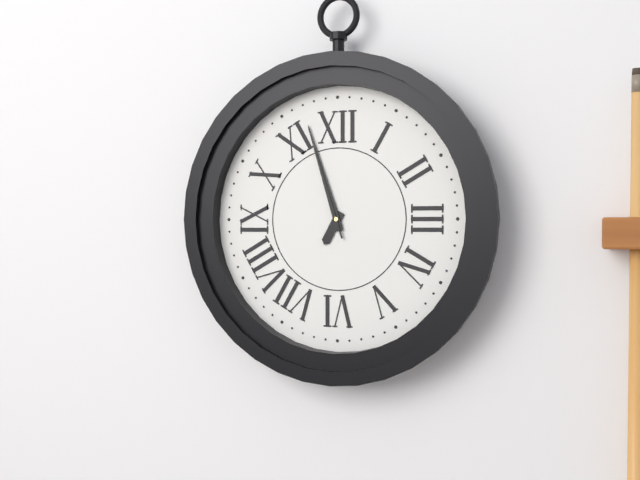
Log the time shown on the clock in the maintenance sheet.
6:57:57
